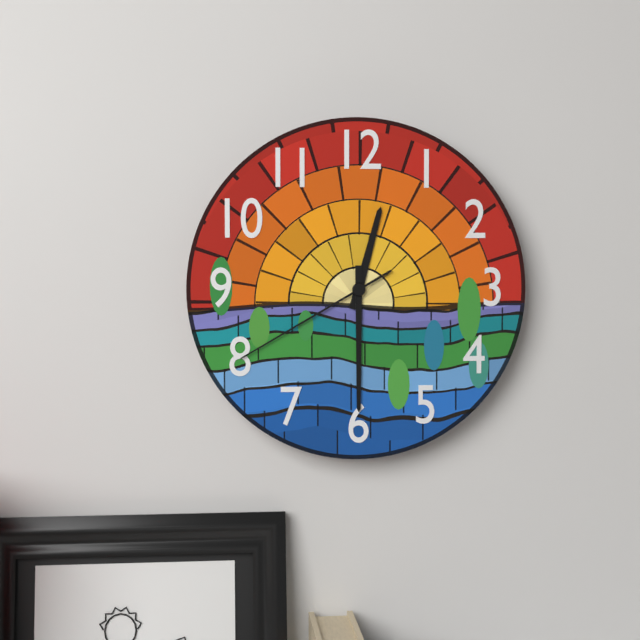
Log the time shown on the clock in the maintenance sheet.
12:30:40
